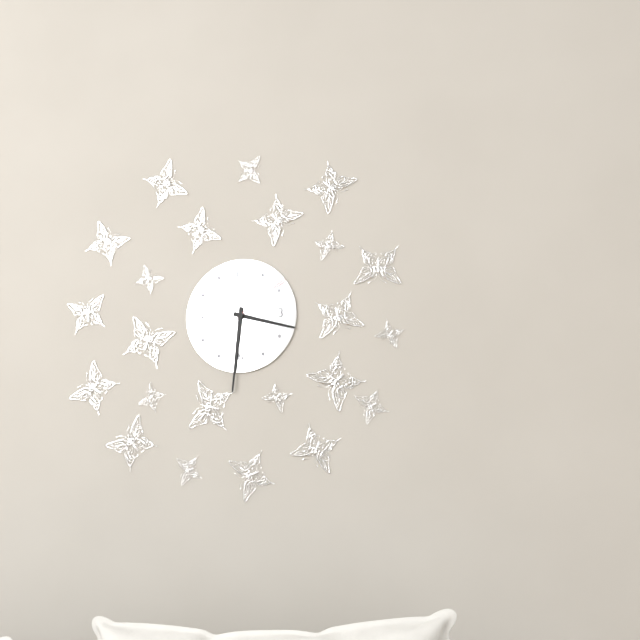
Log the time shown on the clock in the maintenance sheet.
3:31:09
